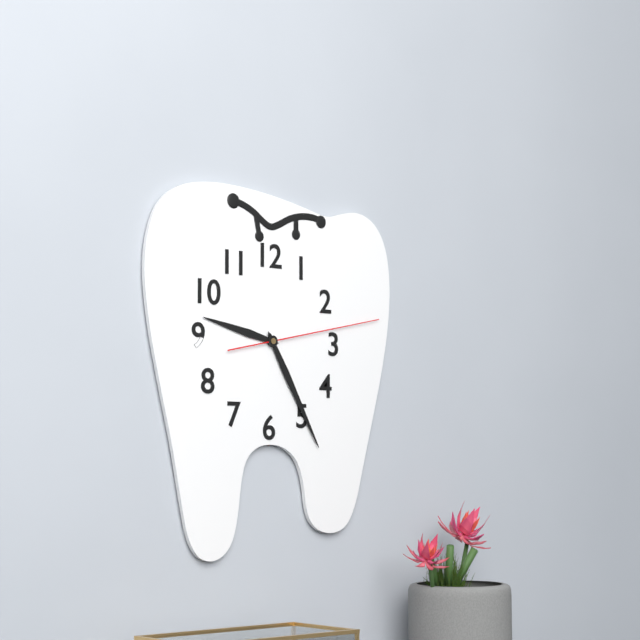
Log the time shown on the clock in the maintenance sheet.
9:25:13
